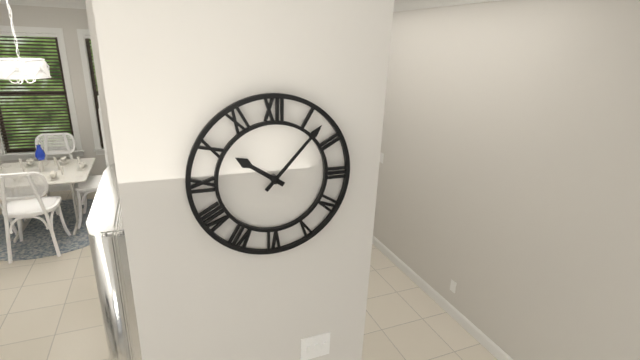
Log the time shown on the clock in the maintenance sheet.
10:07
